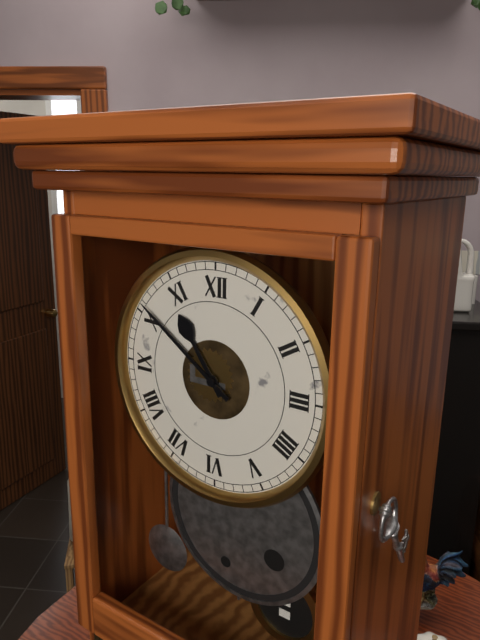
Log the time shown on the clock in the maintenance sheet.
10:51
